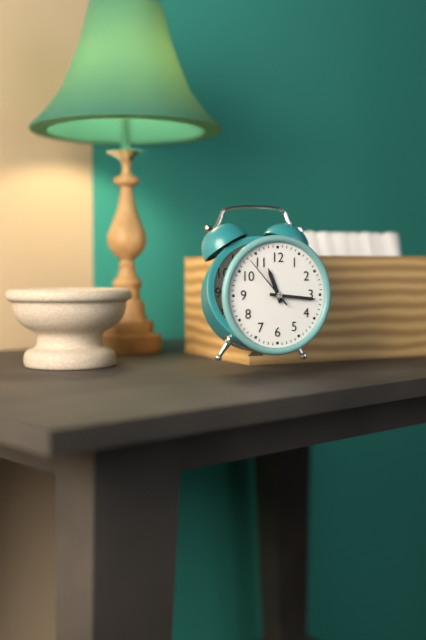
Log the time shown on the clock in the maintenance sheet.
11:16:53
